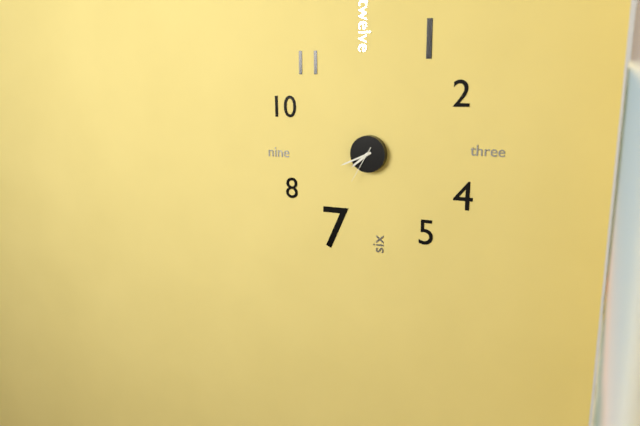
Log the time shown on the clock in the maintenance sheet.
7:41
